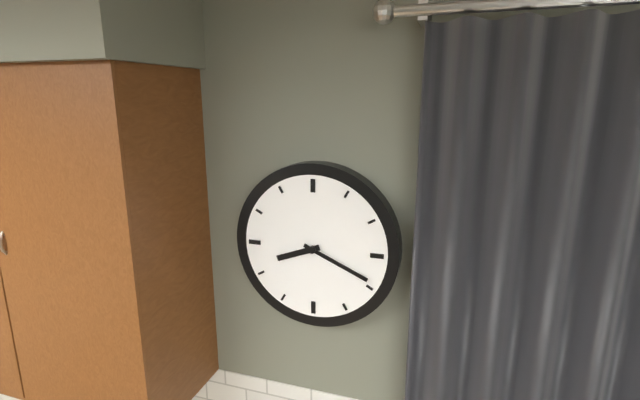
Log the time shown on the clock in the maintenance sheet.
8:19
